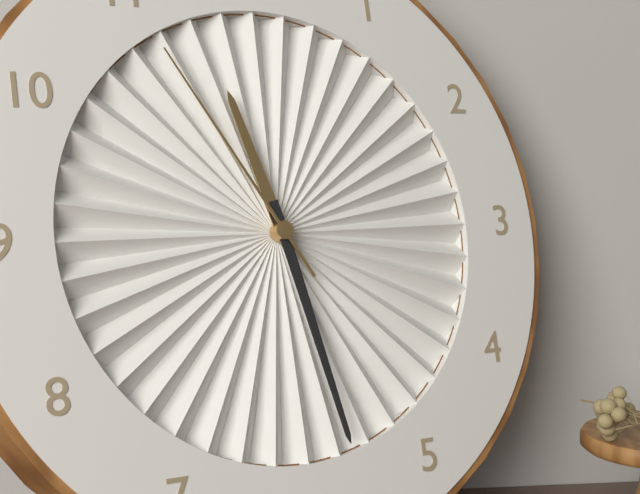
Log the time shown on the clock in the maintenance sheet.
11:28:55
